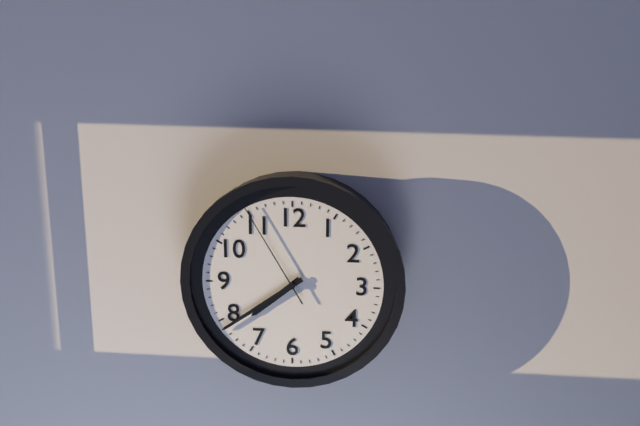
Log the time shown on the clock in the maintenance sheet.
7:39:55
